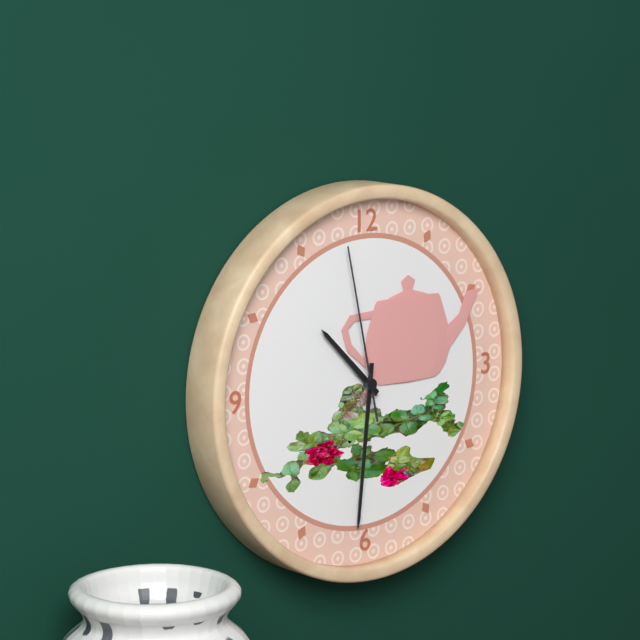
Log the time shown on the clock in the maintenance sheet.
10:31:58
